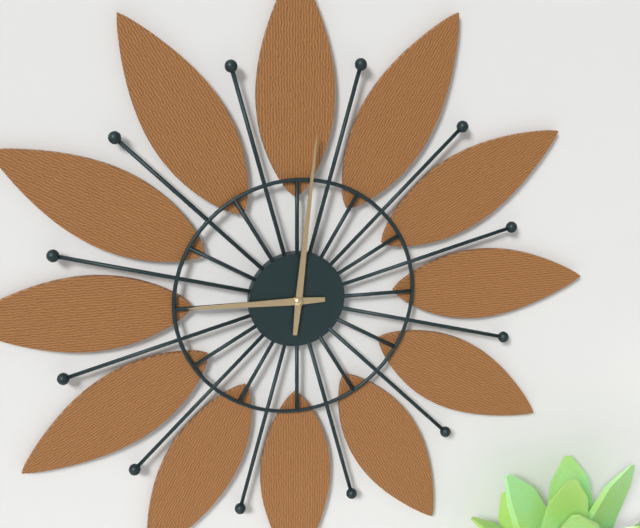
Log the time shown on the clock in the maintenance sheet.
9:01
